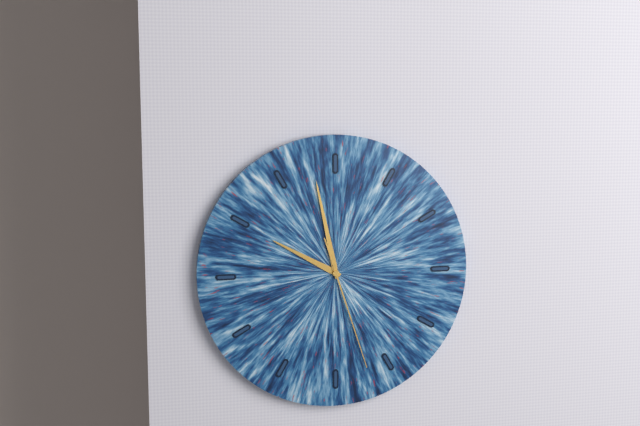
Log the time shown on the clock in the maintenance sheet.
9:58:27
